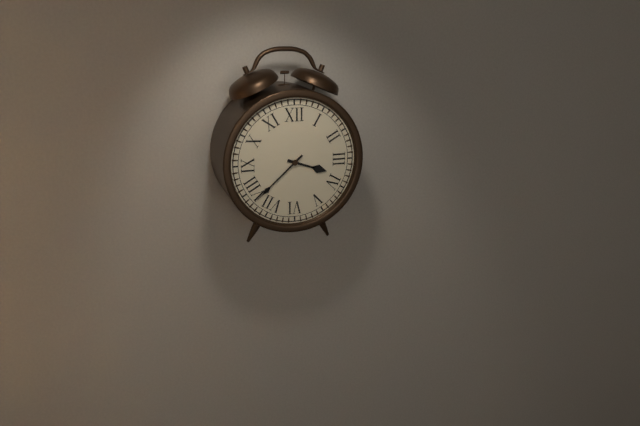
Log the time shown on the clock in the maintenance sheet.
3:38
